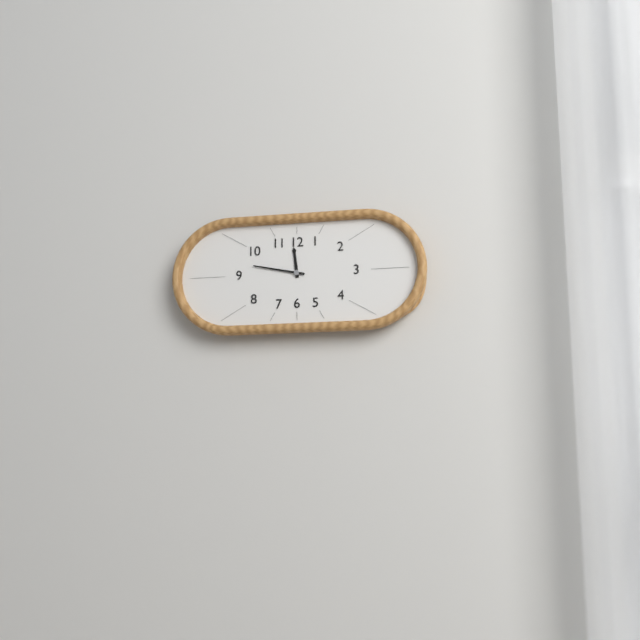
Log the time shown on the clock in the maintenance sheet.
11:47
